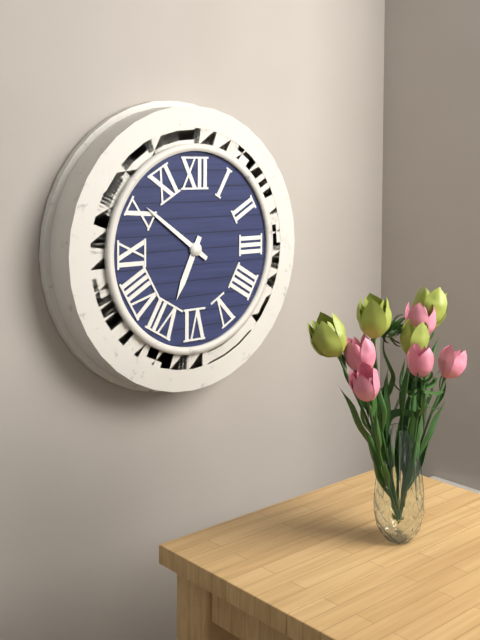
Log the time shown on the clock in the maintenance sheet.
6:51
